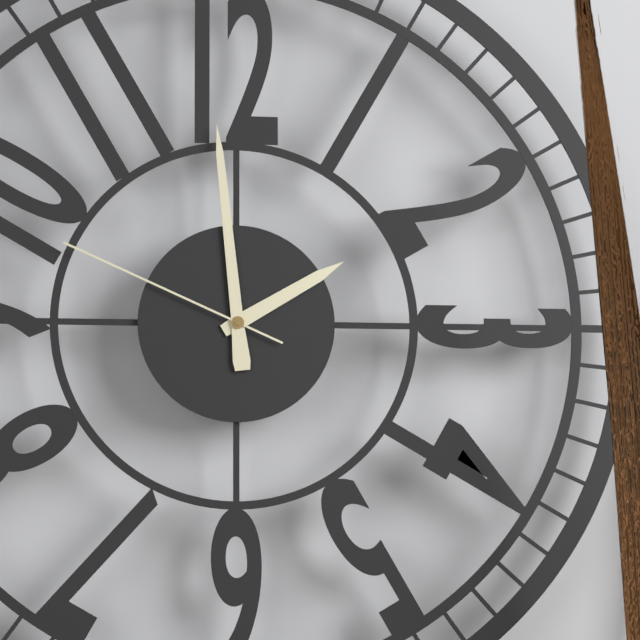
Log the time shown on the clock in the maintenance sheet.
1:59:49
